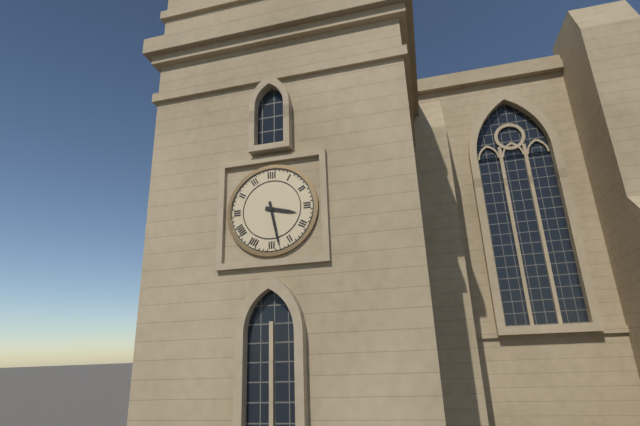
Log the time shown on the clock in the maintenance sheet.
3:28
